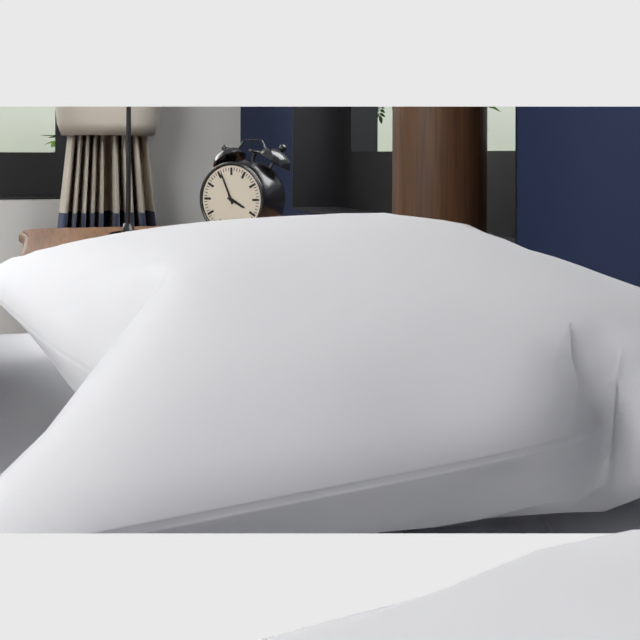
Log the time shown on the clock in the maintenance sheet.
3:56
